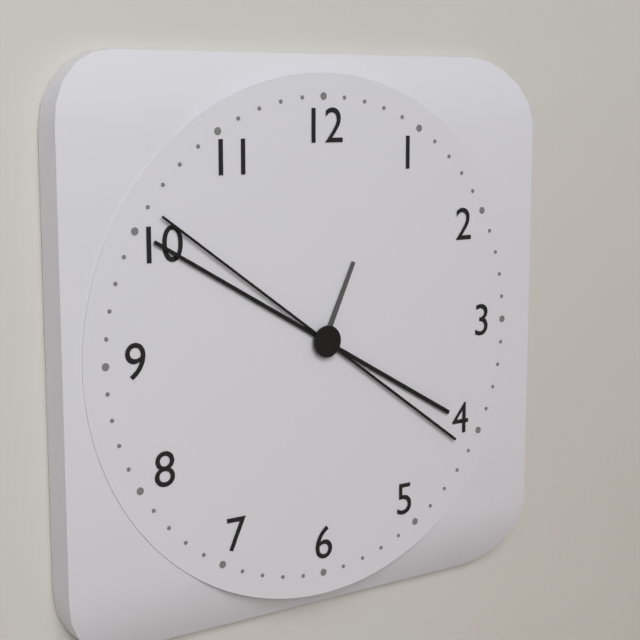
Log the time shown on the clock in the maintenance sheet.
12:50:51
